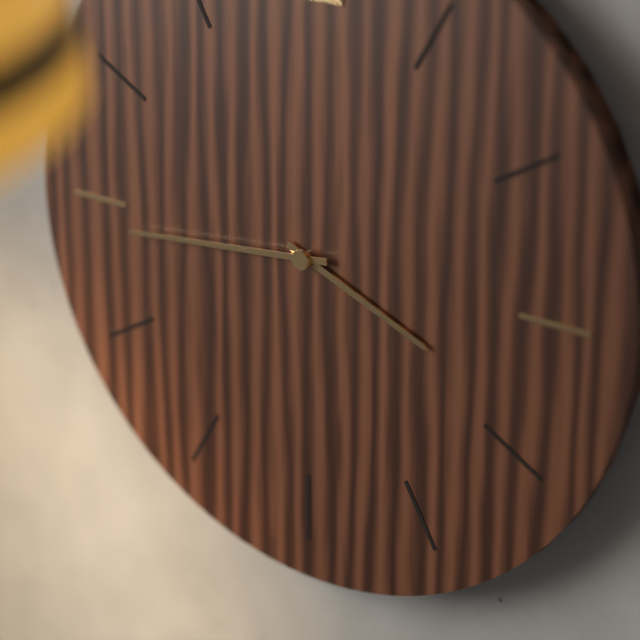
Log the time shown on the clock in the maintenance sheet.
3:44
